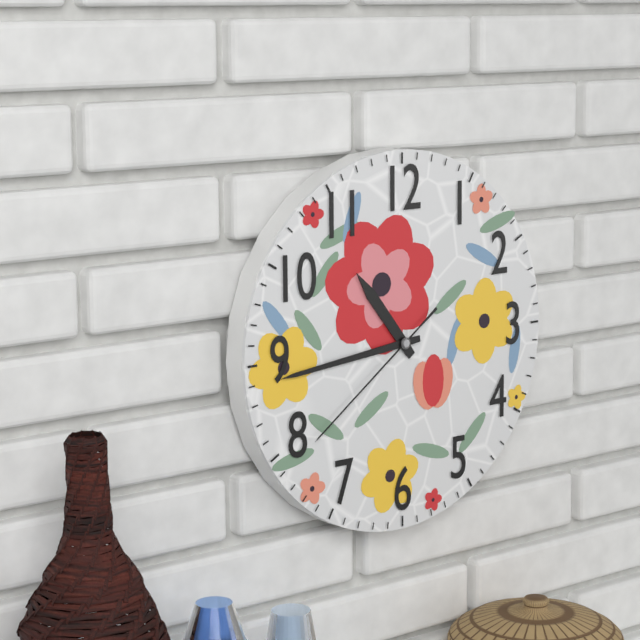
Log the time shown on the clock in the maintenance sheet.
10:44:39
